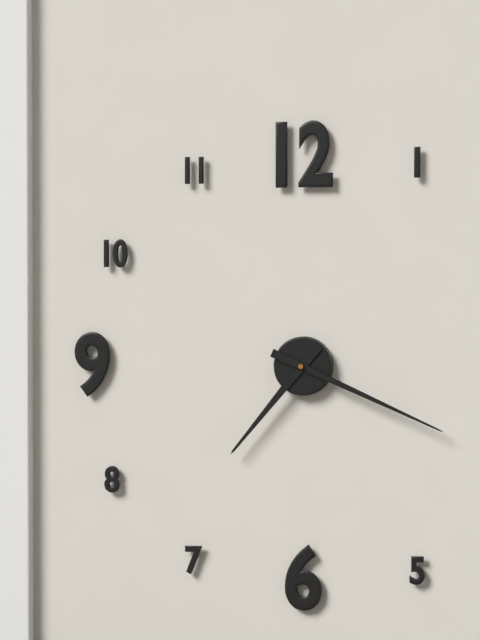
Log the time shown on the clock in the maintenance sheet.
7:19
